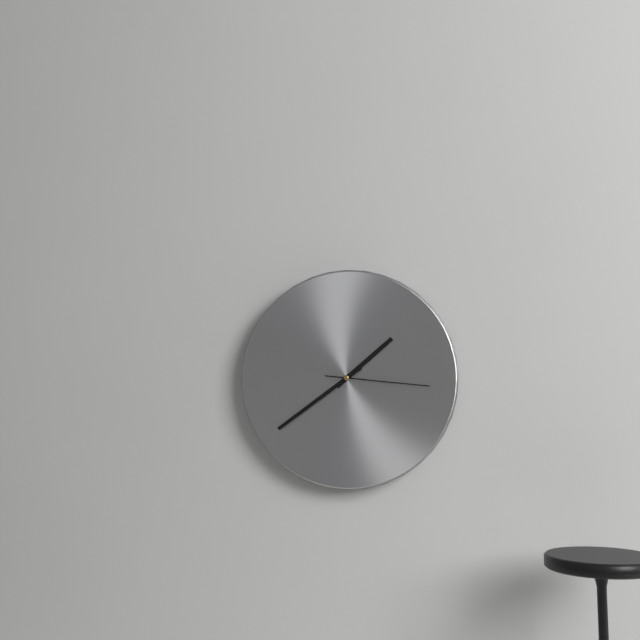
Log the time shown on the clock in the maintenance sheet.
1:39:16
